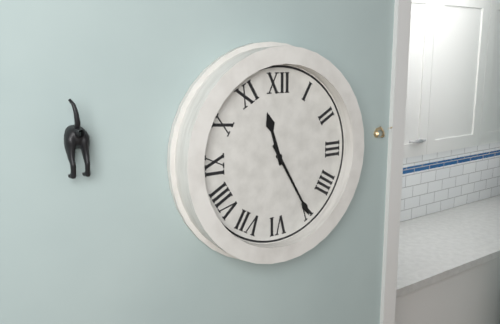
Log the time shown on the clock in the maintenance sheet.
11:25
